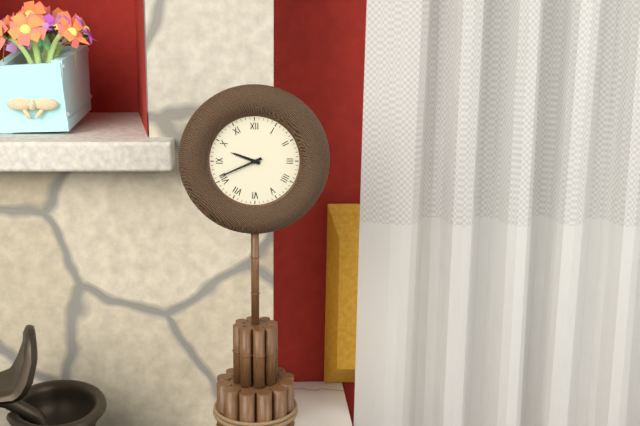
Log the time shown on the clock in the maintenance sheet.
9:41
